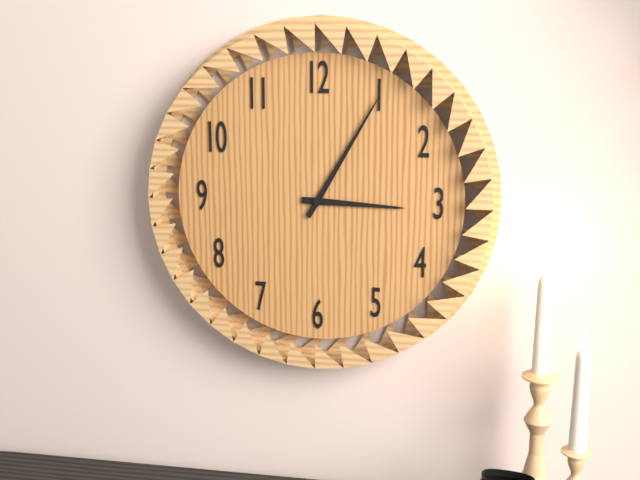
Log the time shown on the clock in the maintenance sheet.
3:05
